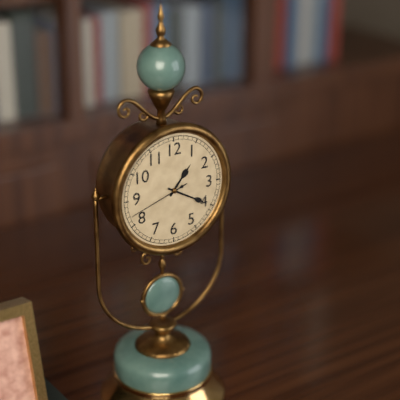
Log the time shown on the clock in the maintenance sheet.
1:20:42
